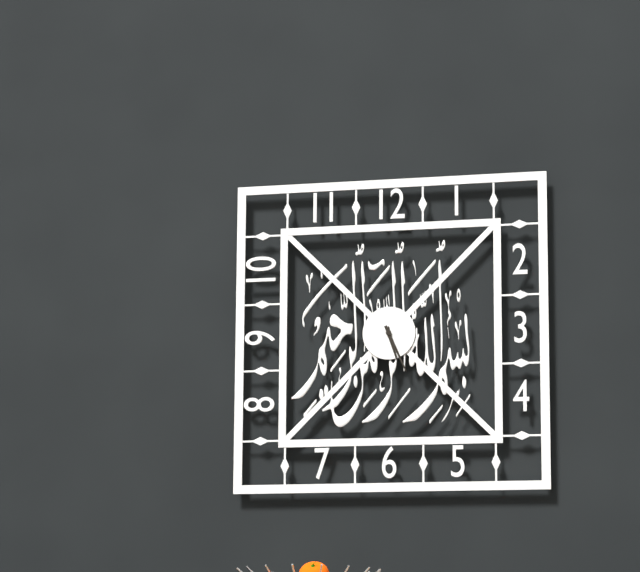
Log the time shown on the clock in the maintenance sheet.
5:26
